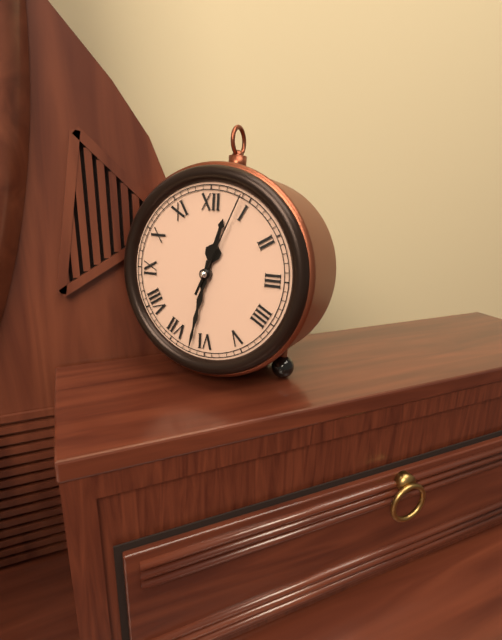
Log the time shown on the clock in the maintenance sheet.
12:32:04
